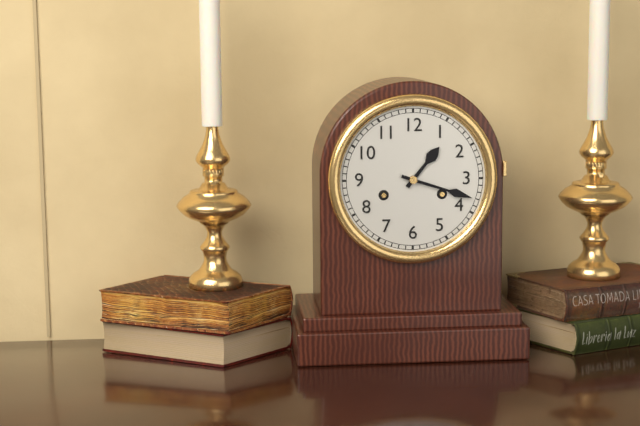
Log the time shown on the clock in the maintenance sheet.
1:18
